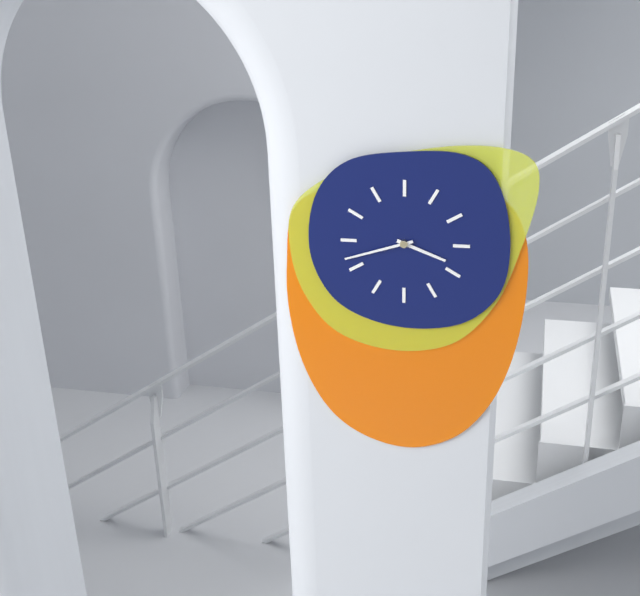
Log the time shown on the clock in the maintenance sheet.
3:42
